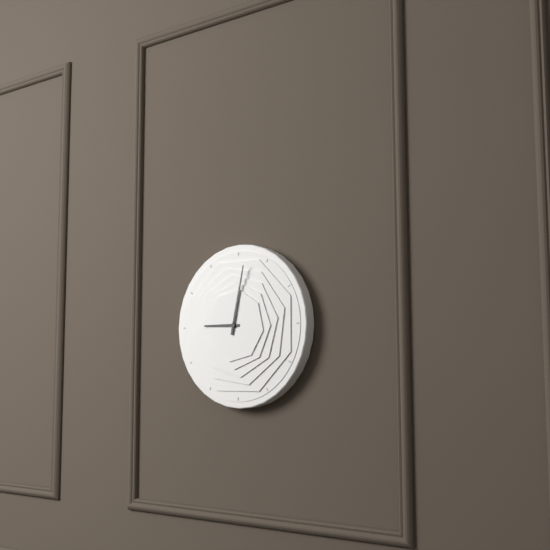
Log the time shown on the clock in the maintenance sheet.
9:02
